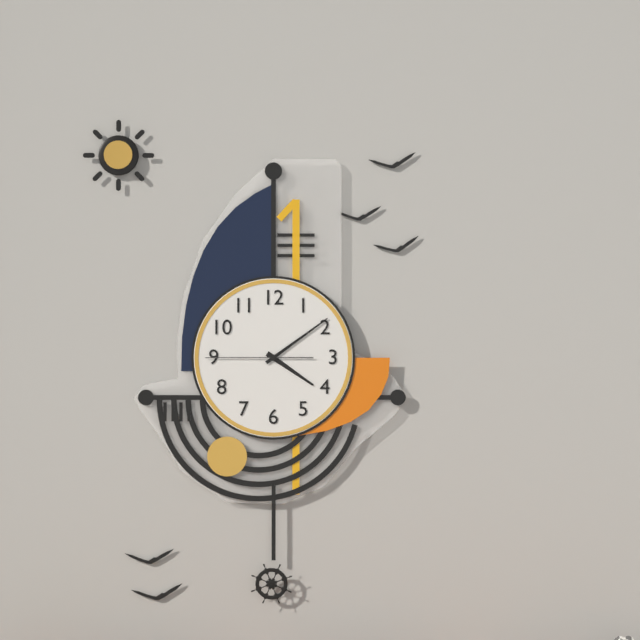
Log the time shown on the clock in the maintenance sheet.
4:09:45
